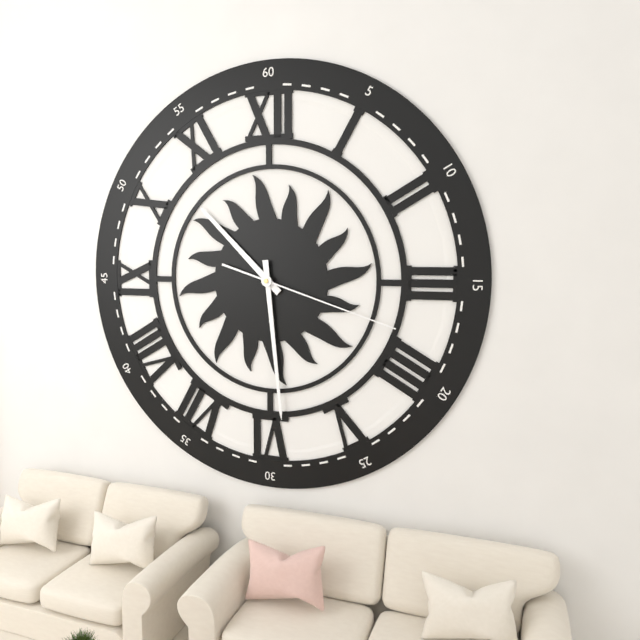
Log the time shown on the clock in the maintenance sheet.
10:29:18
